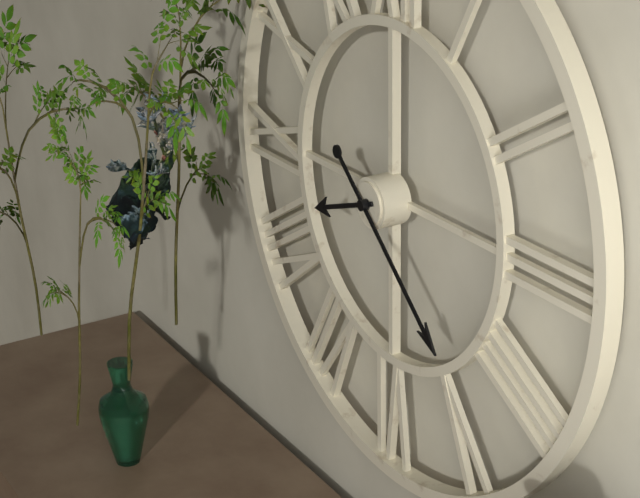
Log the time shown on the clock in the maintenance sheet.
8:22
